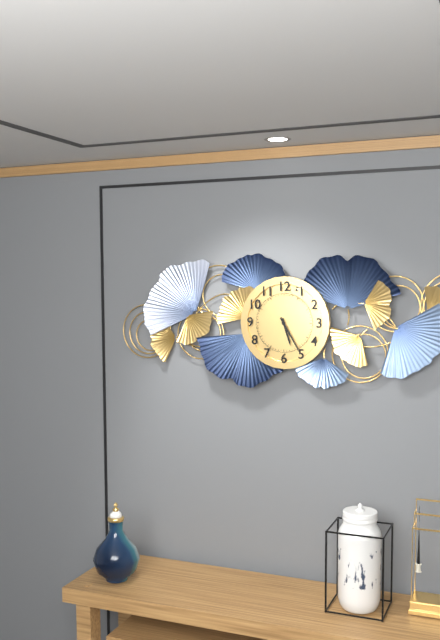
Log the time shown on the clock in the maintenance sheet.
5:25
